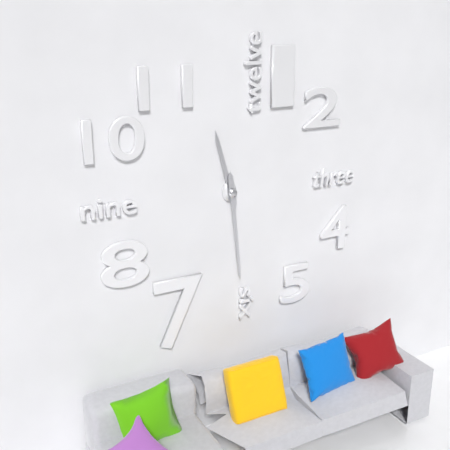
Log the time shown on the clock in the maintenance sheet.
11:29
